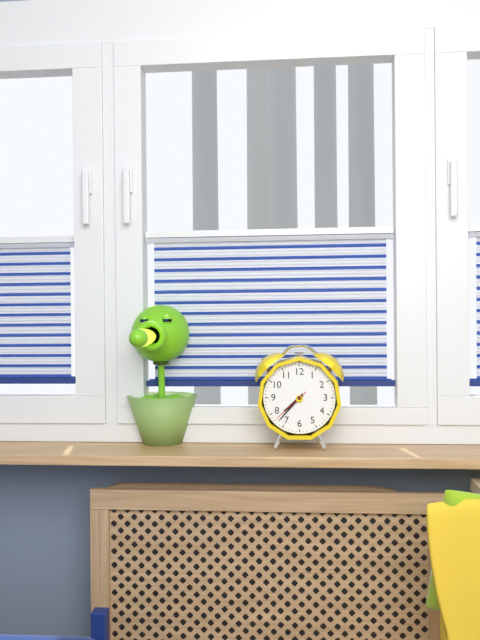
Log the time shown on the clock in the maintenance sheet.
7:37
